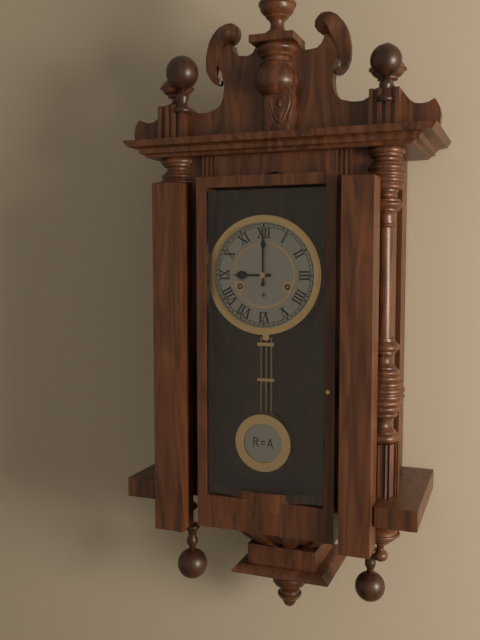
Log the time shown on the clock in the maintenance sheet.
9:00
